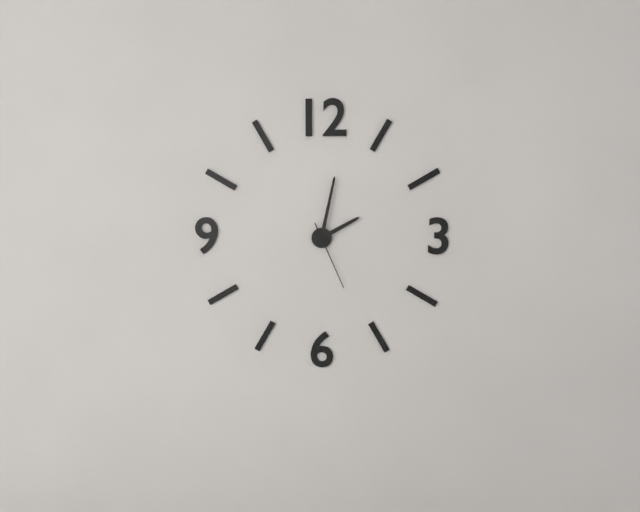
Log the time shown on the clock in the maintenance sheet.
2:02:26
